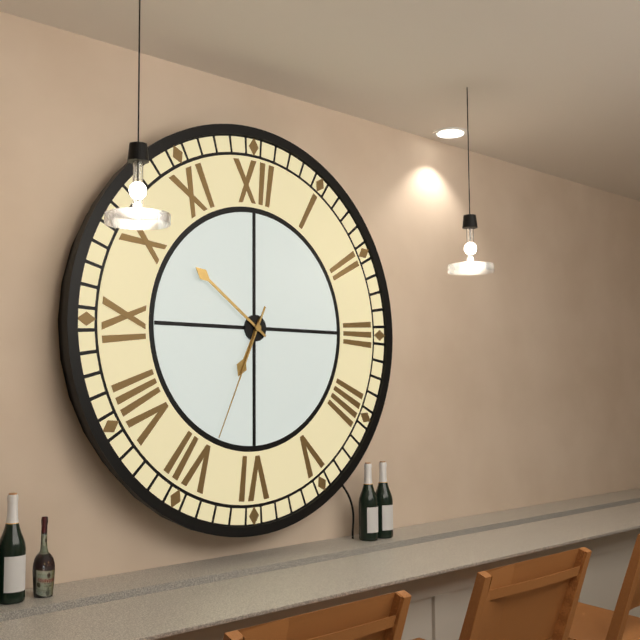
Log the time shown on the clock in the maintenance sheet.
6:51:34
